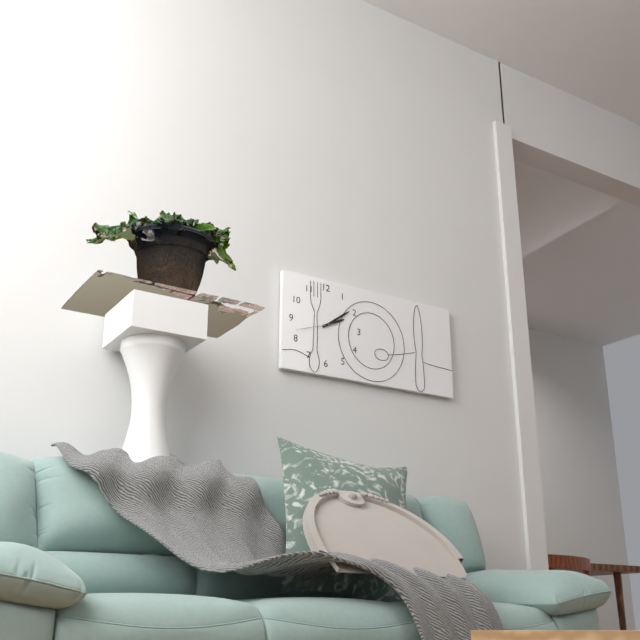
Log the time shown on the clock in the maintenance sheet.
2:09
